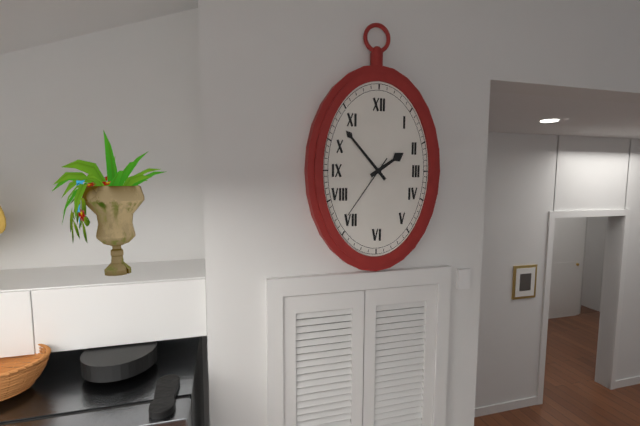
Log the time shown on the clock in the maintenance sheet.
1:53:36
